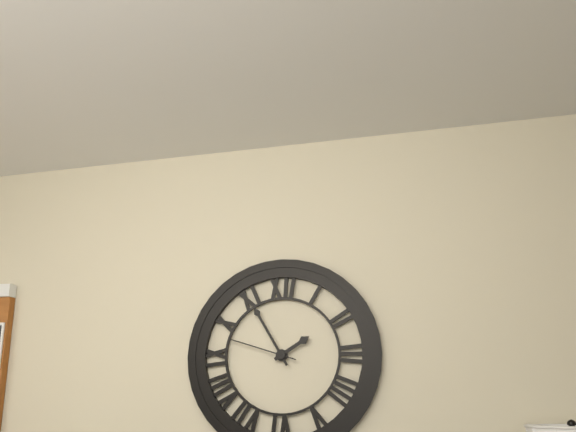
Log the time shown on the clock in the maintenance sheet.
1:55:48
